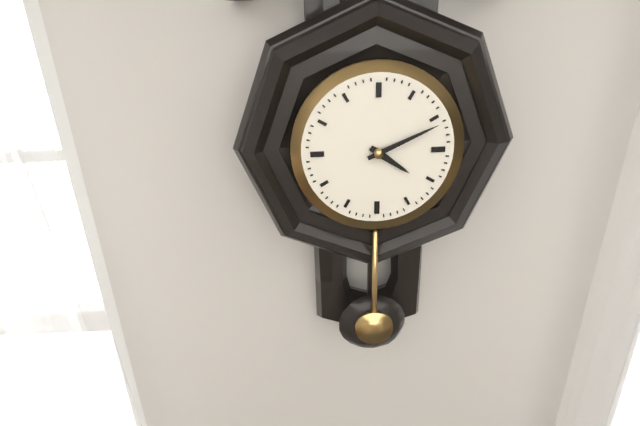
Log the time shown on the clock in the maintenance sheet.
4:11
